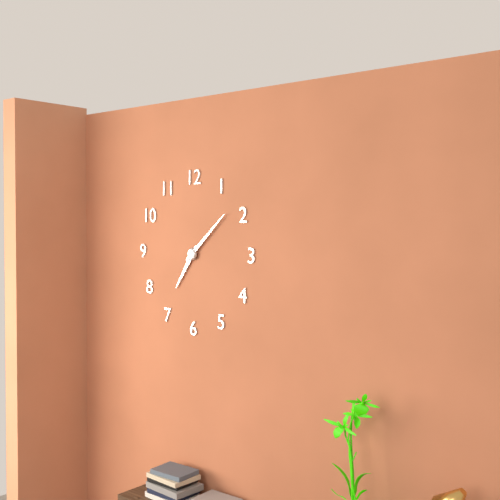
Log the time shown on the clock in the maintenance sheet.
7:08
